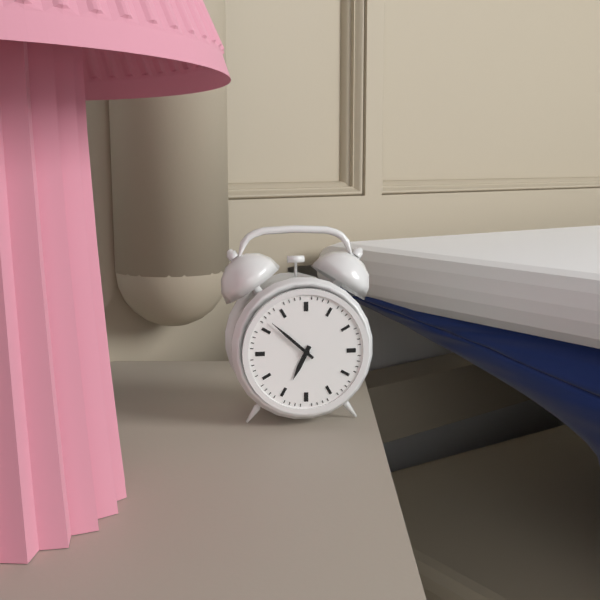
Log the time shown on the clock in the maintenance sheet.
6:52
